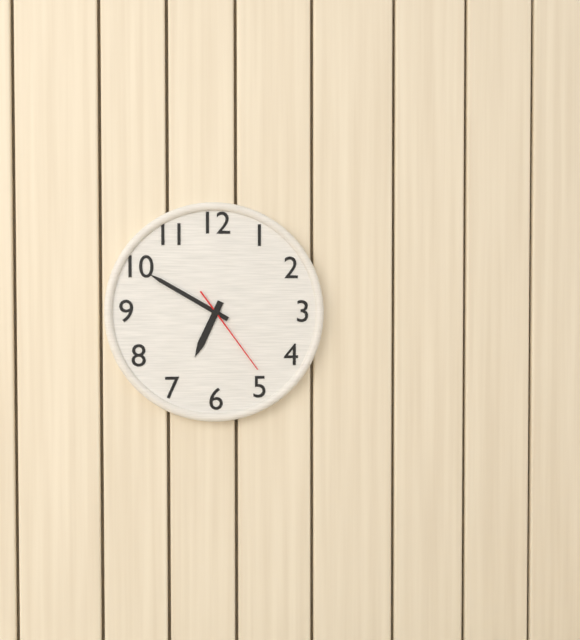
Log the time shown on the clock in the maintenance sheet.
6:50:24
